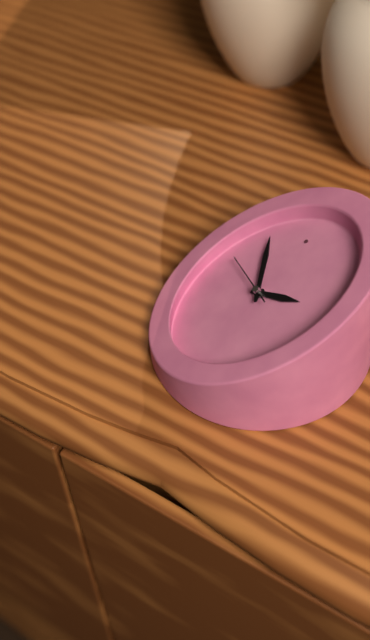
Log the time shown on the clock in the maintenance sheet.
4:01:55
